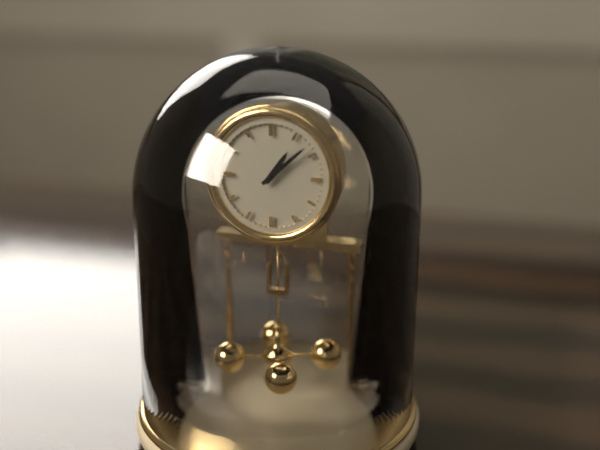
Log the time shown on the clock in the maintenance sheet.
1:08
